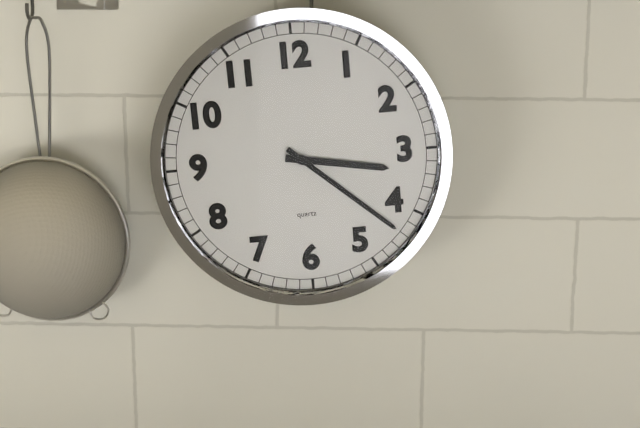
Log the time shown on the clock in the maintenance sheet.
3:22
